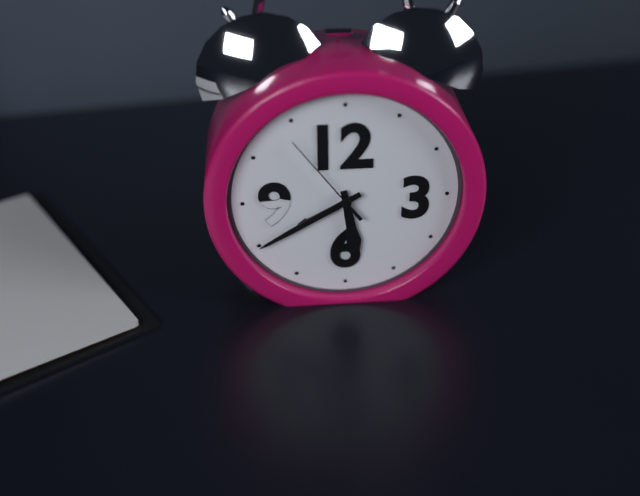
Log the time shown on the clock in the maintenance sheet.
5:40:54
